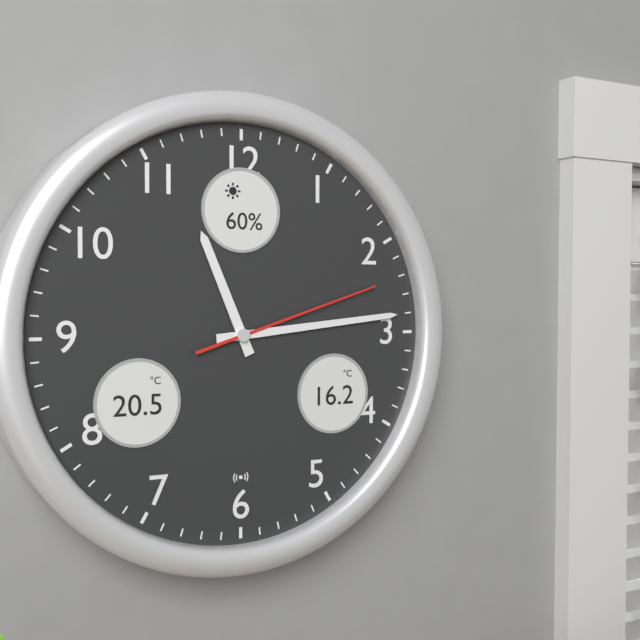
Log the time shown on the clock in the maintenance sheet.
11:14:12
